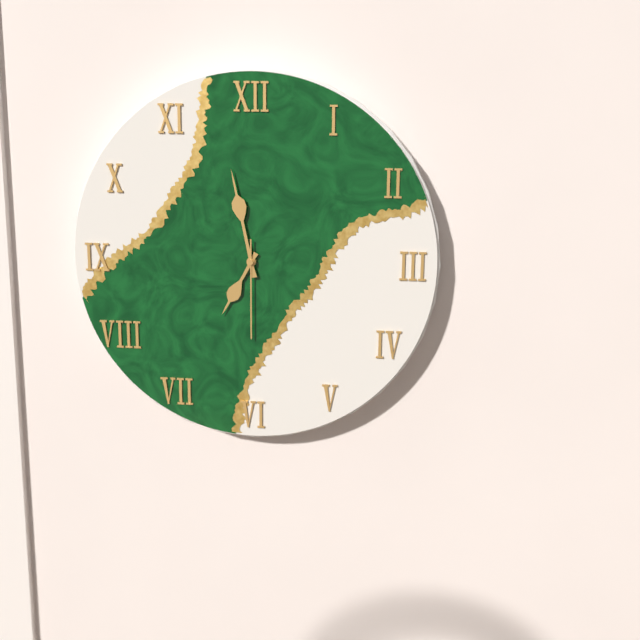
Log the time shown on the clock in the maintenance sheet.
6:58:30
